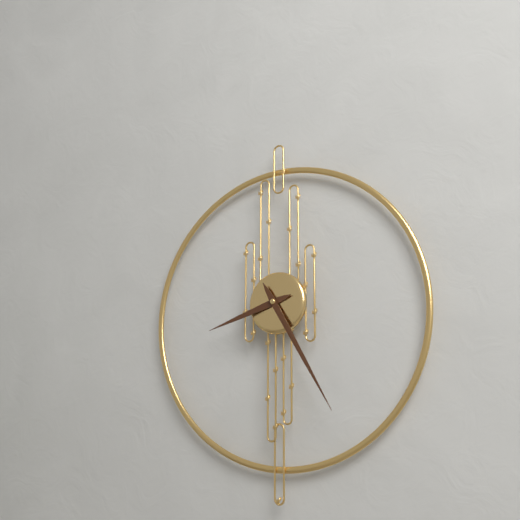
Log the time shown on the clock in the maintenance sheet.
8:25
